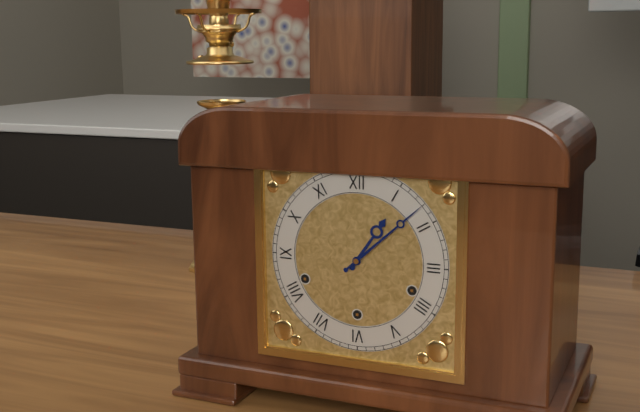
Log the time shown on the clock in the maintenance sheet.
1:08
